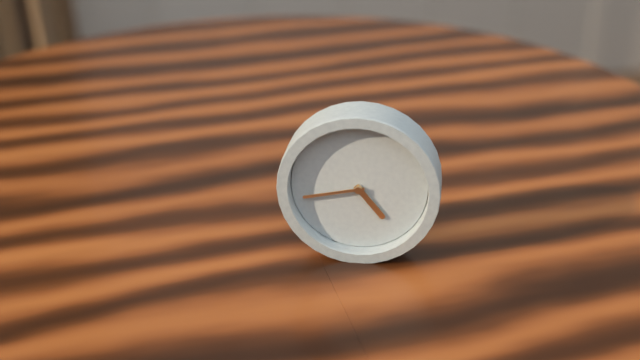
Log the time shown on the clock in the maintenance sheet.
4:43
